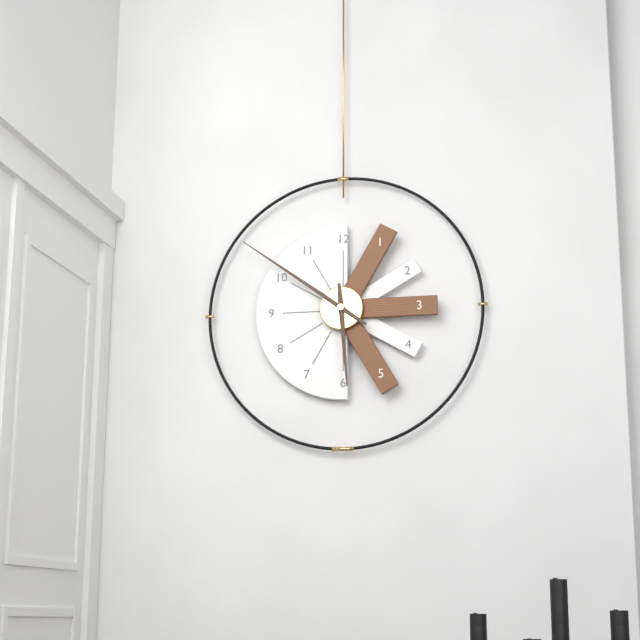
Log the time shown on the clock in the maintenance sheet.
5:51
